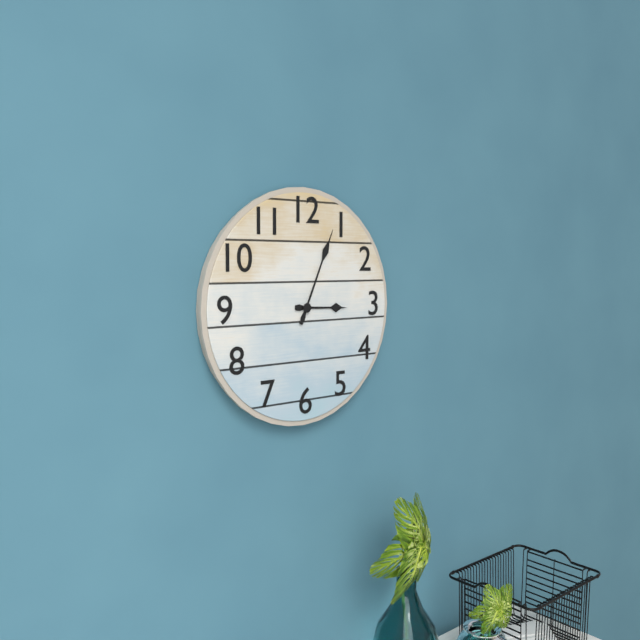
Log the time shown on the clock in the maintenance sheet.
3:04
